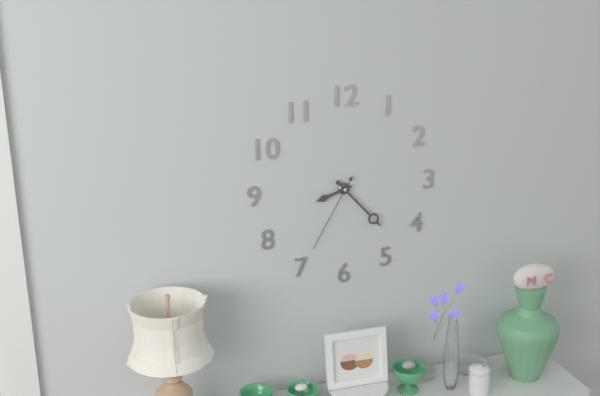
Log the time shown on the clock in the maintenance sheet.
8:23:35
